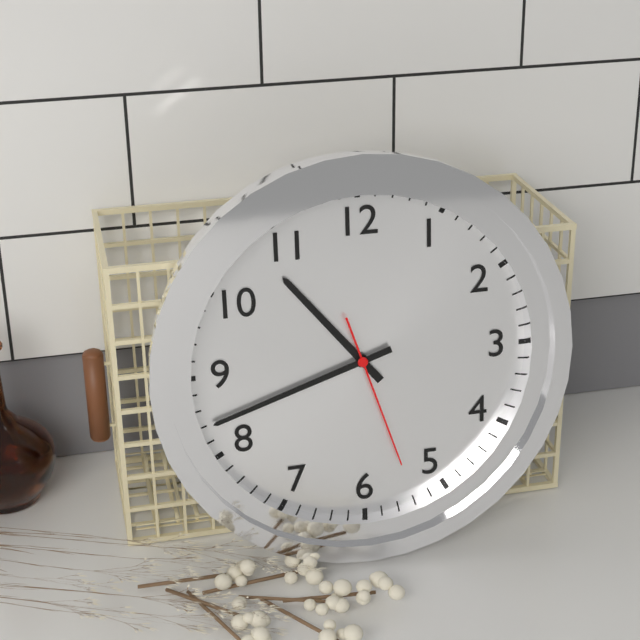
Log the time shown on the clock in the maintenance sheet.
10:42:27
